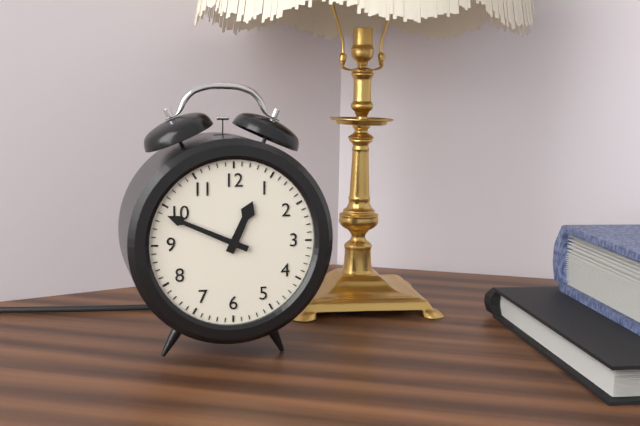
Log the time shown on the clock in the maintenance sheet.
12:49
